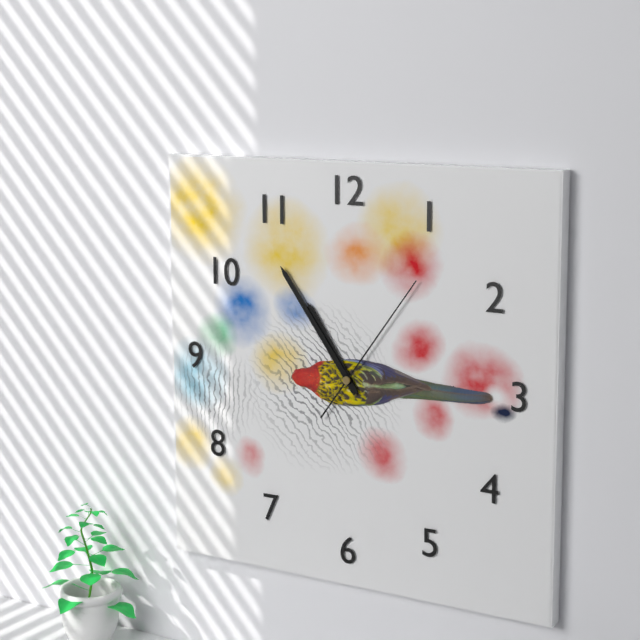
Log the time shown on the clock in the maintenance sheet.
10:54:06
